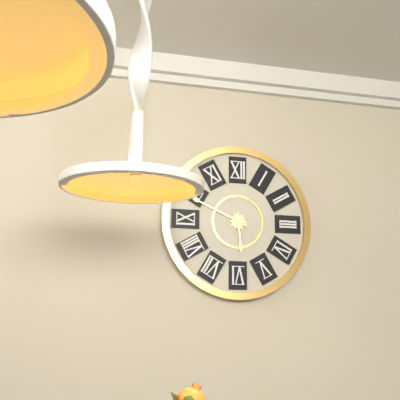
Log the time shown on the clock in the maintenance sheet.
5:49
